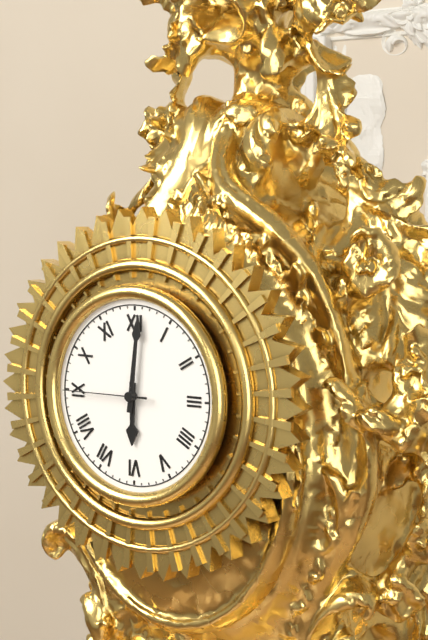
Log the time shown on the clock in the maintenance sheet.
6:01:45
